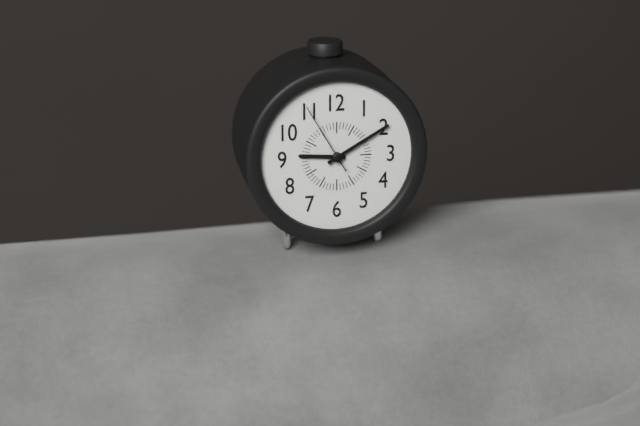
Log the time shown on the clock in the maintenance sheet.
9:10:55
